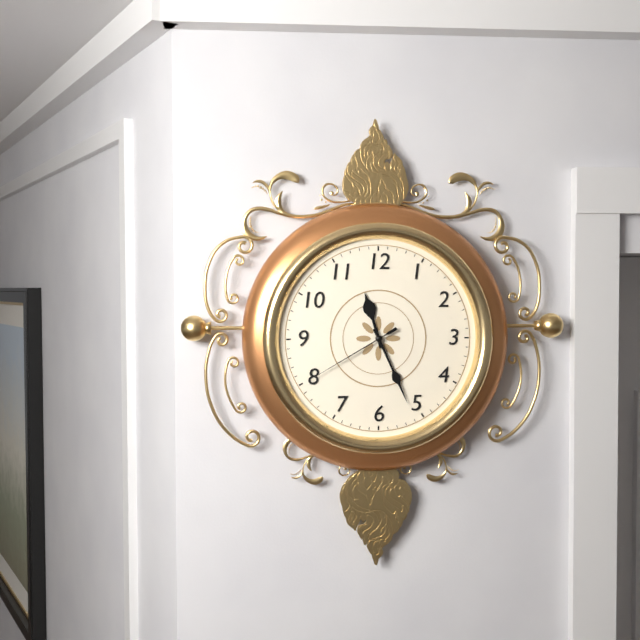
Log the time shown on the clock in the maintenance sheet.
11:26:40
